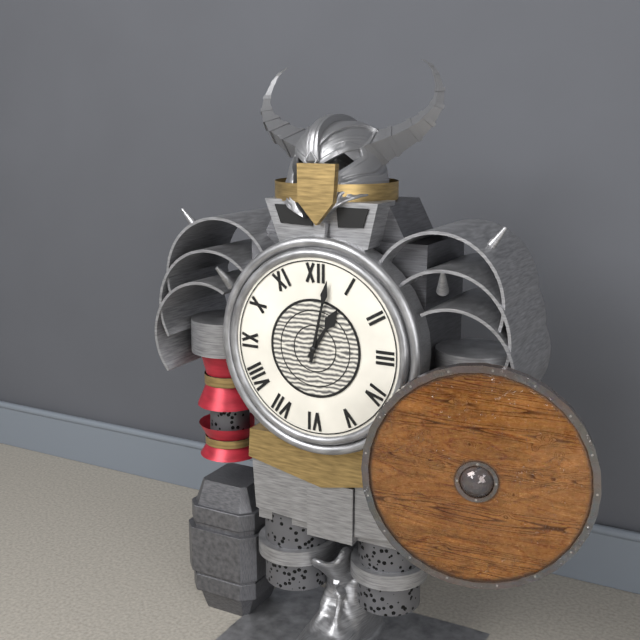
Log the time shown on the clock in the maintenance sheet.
1:02
